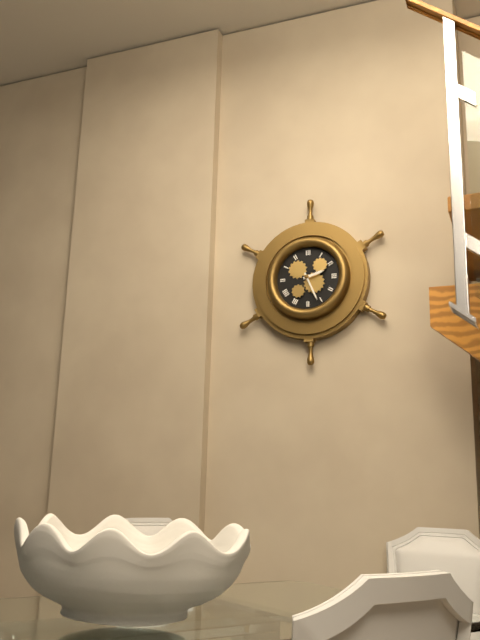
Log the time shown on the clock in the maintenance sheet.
2:26
